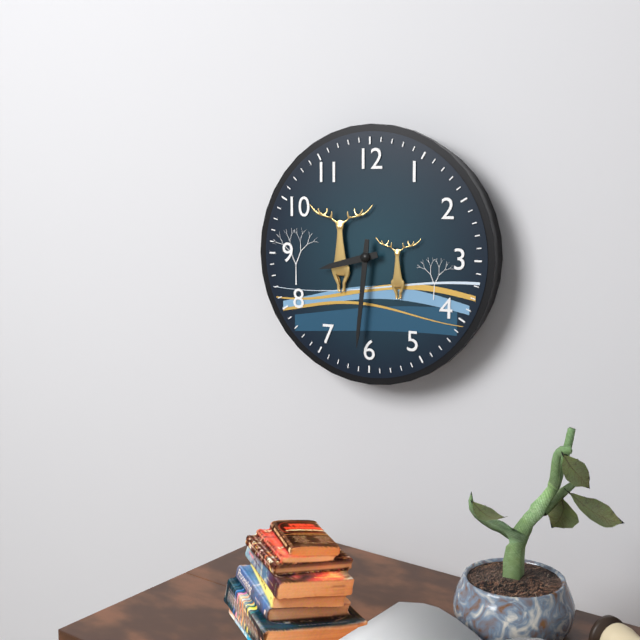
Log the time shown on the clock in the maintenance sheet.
8:31
